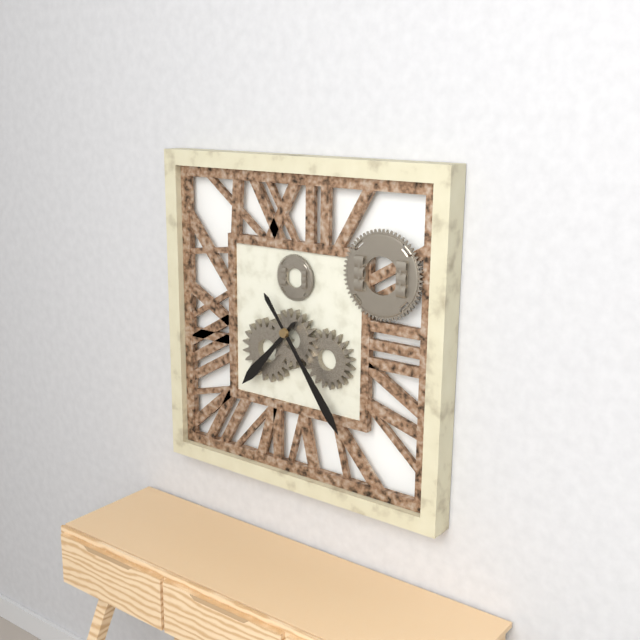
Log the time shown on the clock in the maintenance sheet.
7:24
